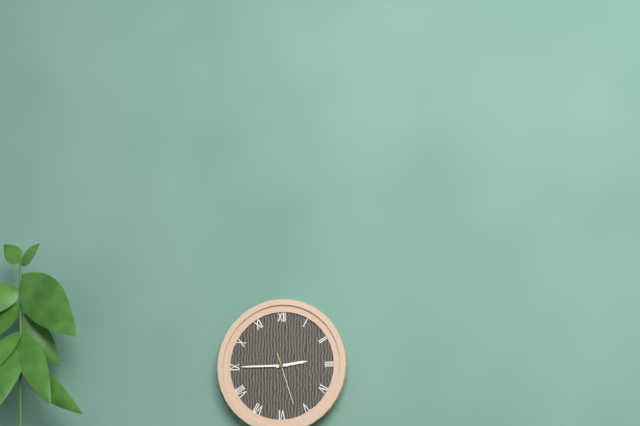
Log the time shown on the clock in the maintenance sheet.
2:45:27
